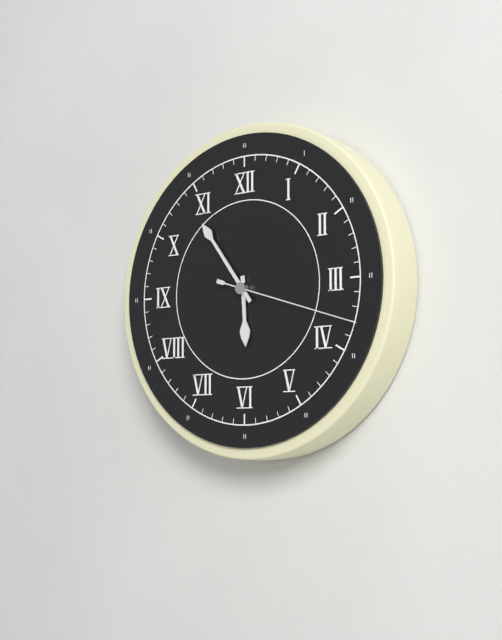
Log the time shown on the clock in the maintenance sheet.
5:54:18
